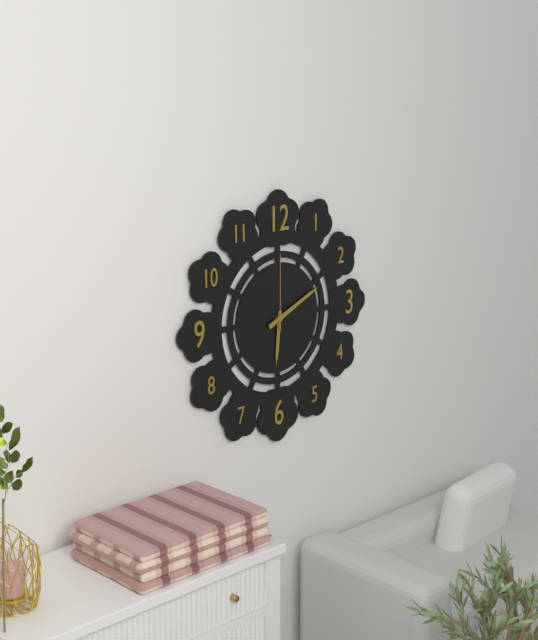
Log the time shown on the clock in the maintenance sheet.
6:11:00
